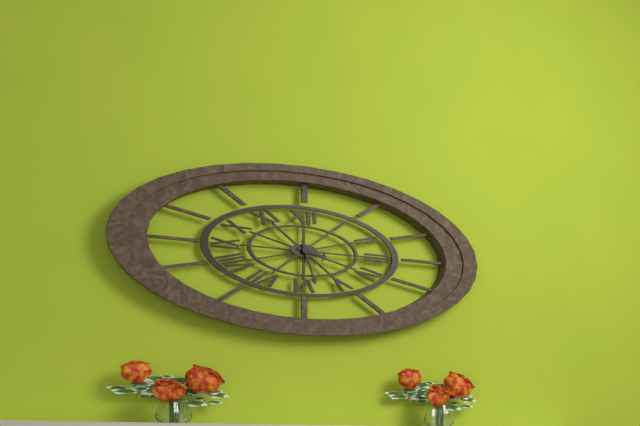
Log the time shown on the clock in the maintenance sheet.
3:27
